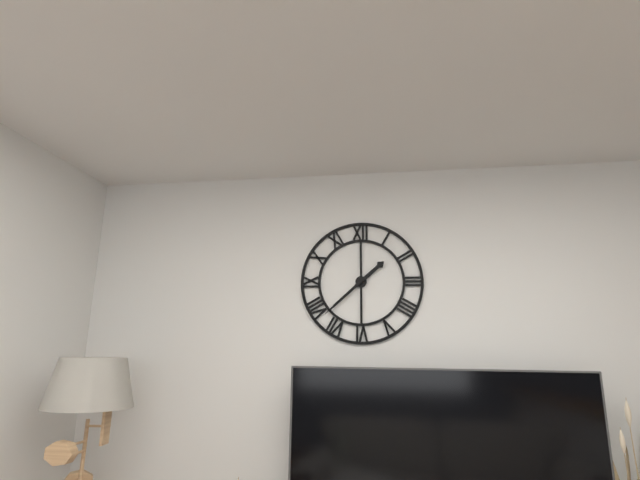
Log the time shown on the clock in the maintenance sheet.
1:38
